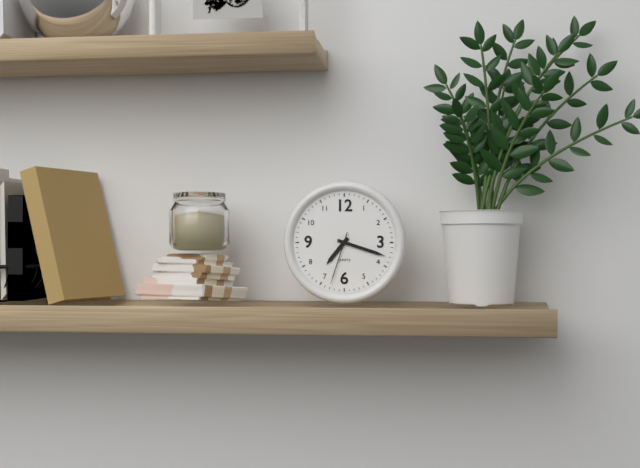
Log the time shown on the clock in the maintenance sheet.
7:18:33
